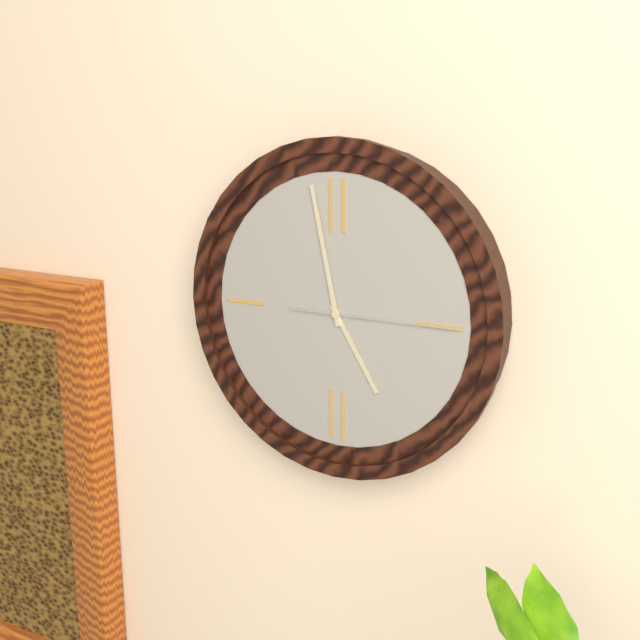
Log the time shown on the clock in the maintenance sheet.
4:58:15
